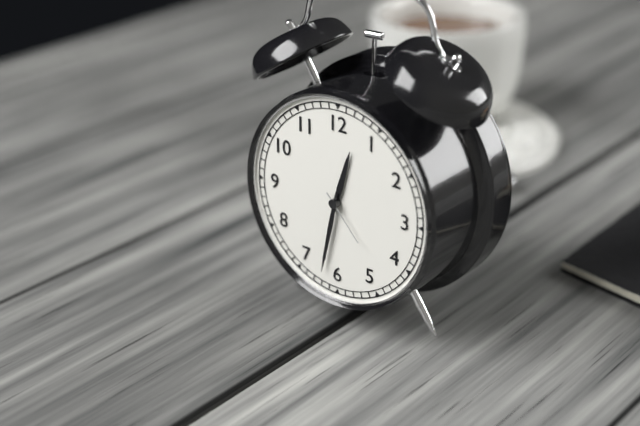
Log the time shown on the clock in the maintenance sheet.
12:32:23
